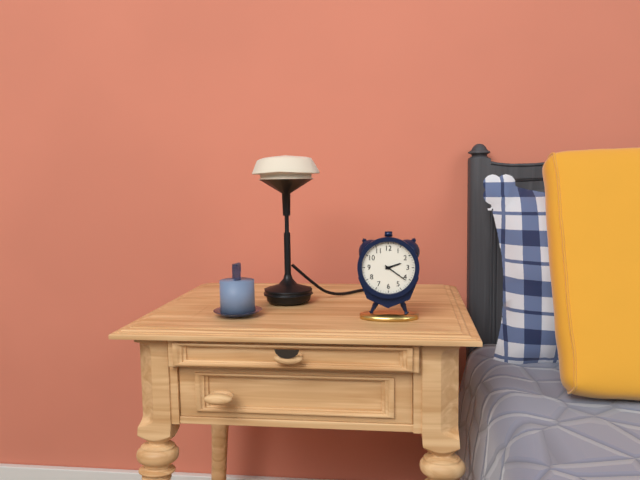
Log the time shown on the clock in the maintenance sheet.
2:21
